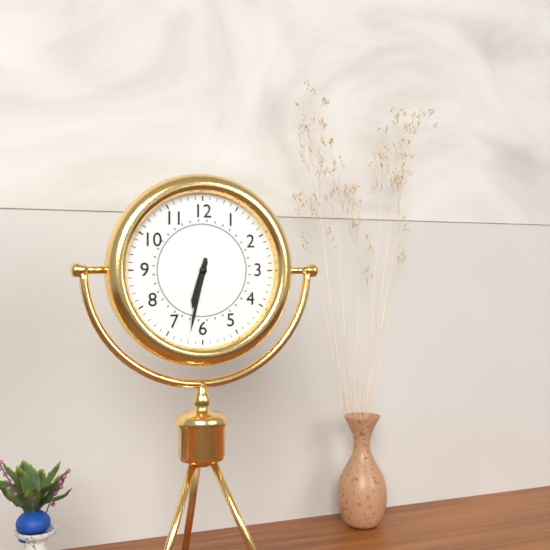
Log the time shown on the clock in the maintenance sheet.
6:32
